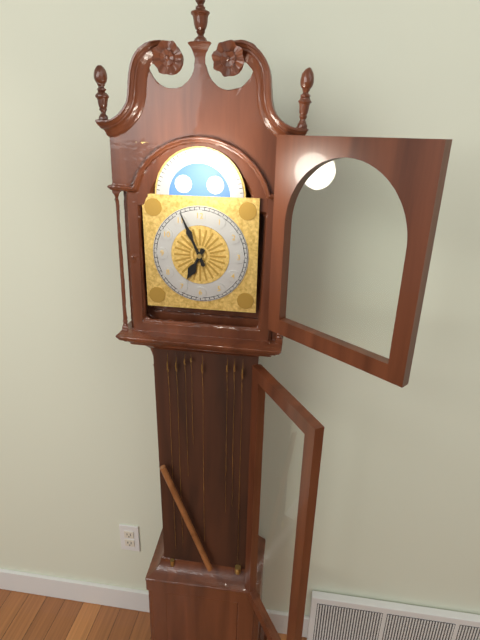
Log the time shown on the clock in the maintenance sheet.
6:56
